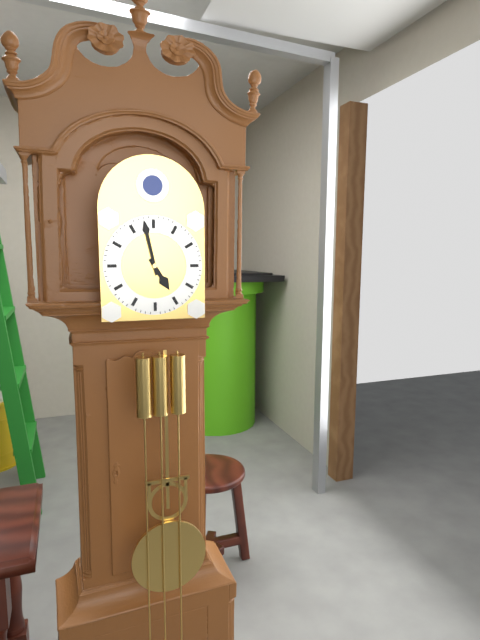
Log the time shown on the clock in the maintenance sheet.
4:58
